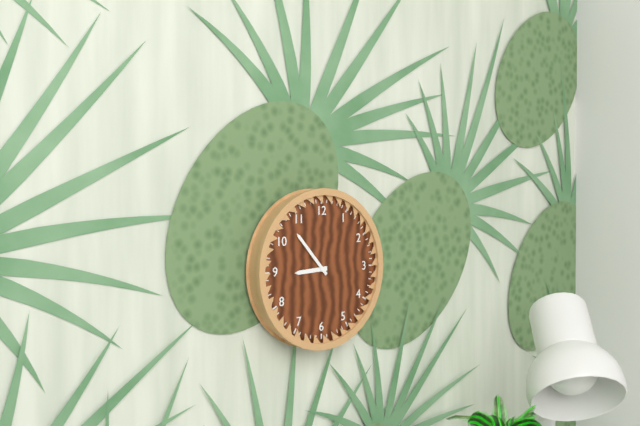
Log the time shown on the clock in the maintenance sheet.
8:53
